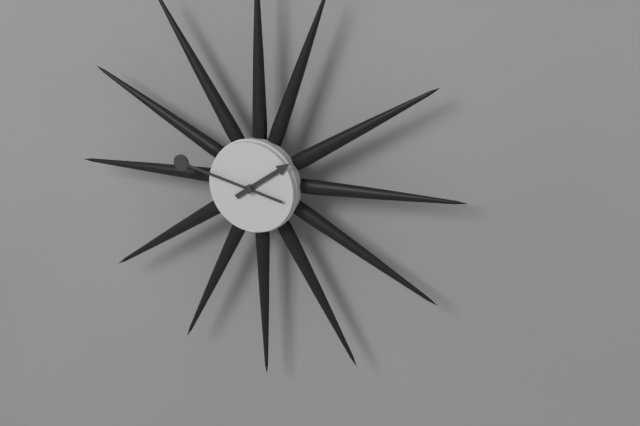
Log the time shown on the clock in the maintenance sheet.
1:47
